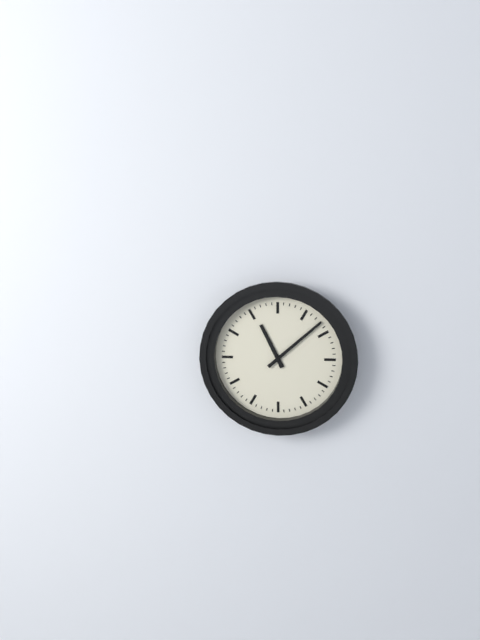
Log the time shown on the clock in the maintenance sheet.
11:08
